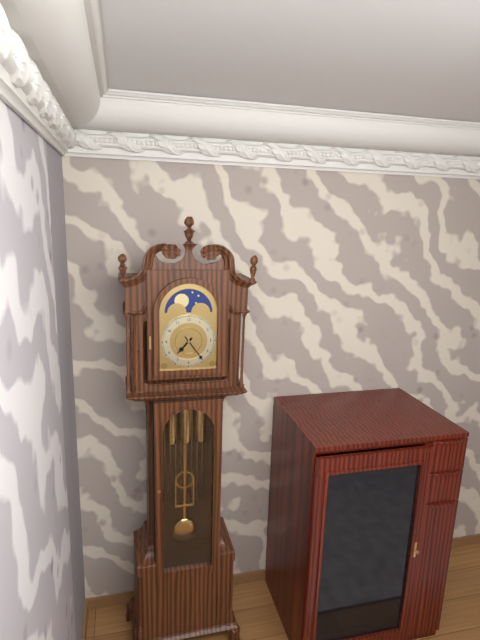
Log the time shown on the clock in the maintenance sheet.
7:24
